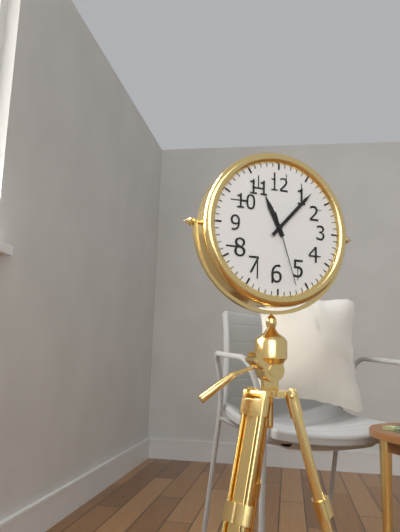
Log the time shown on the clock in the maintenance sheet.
11:07:27
